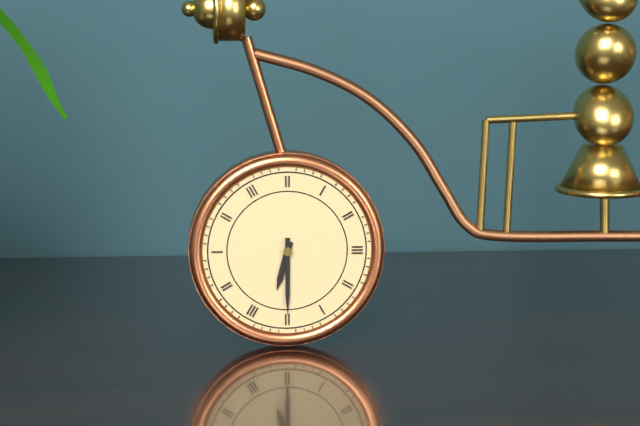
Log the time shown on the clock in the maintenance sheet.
6:30
